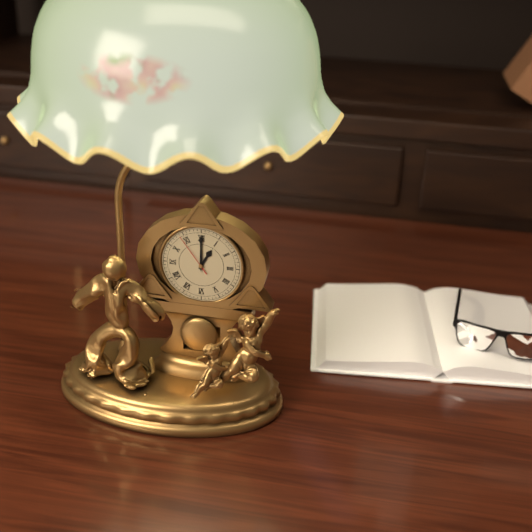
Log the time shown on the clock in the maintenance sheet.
1:00
